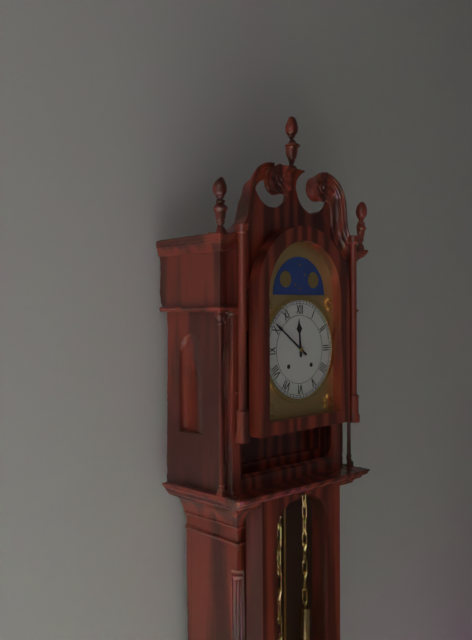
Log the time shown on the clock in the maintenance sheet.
11:51
